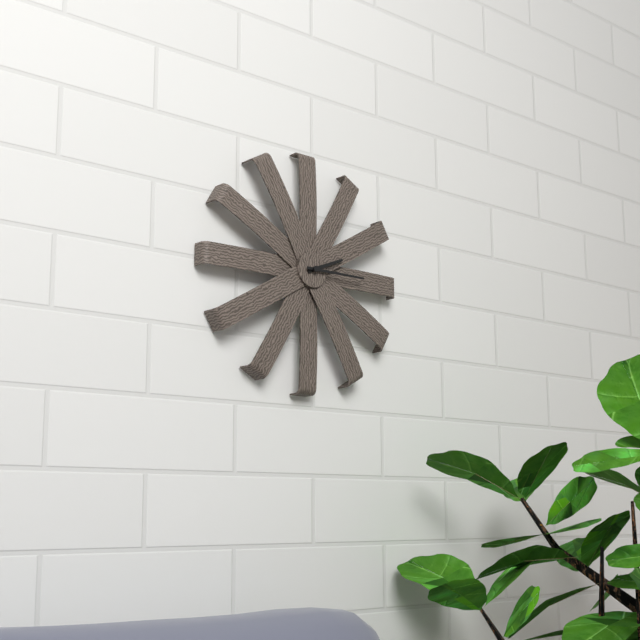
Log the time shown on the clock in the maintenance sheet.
2:15
